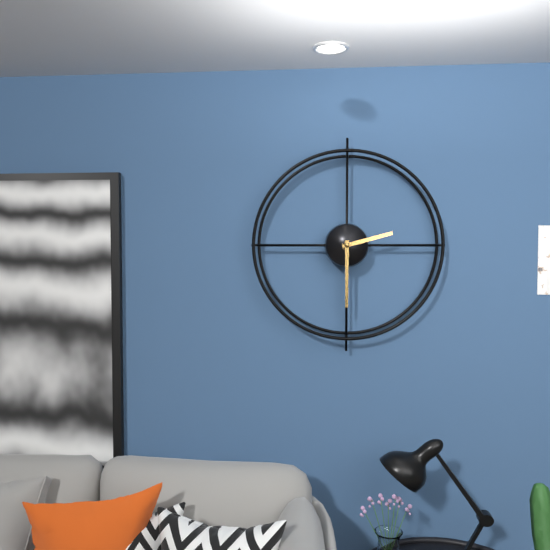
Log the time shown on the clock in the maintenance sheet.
2:30
